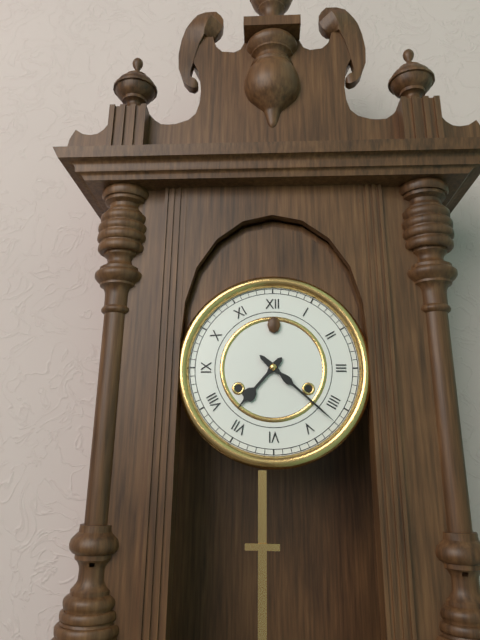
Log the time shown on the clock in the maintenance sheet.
7:22
